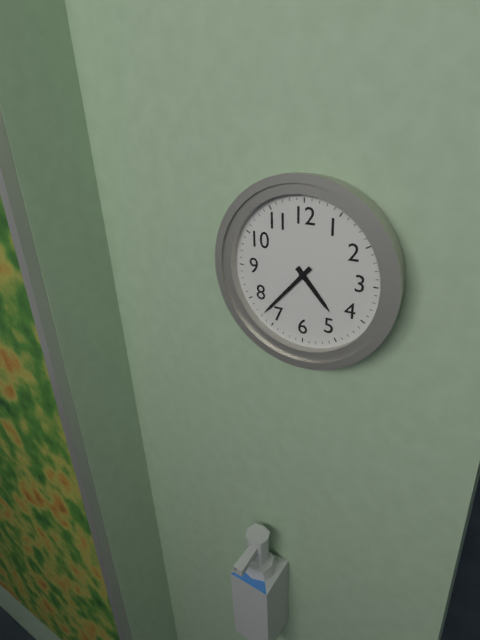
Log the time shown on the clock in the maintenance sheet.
4:37
